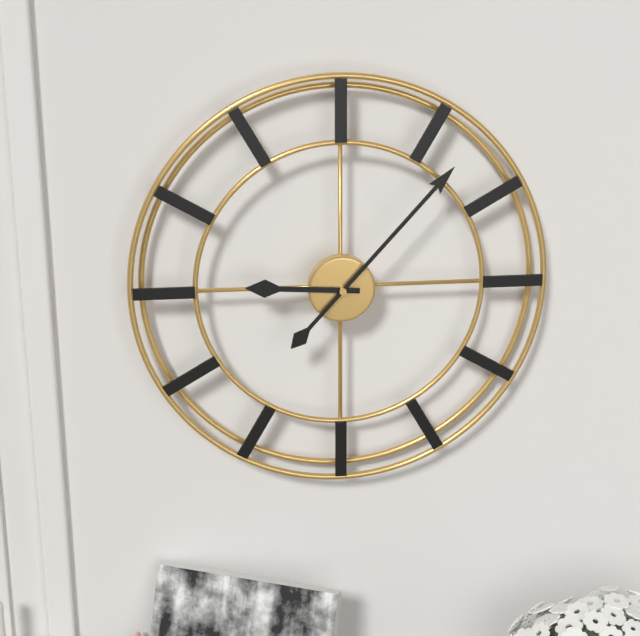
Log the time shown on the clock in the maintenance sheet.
9:07
